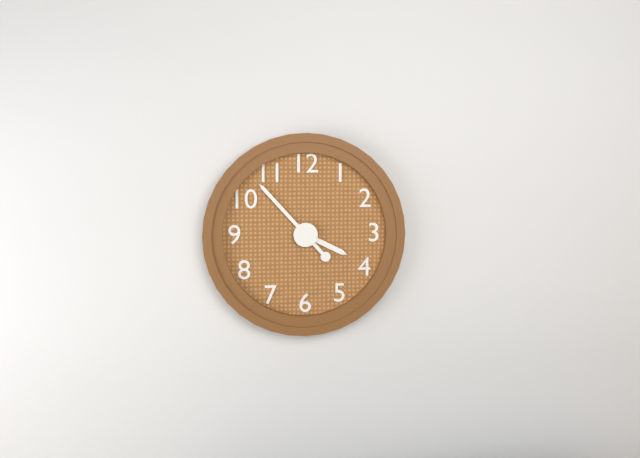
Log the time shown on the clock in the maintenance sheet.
3:53
